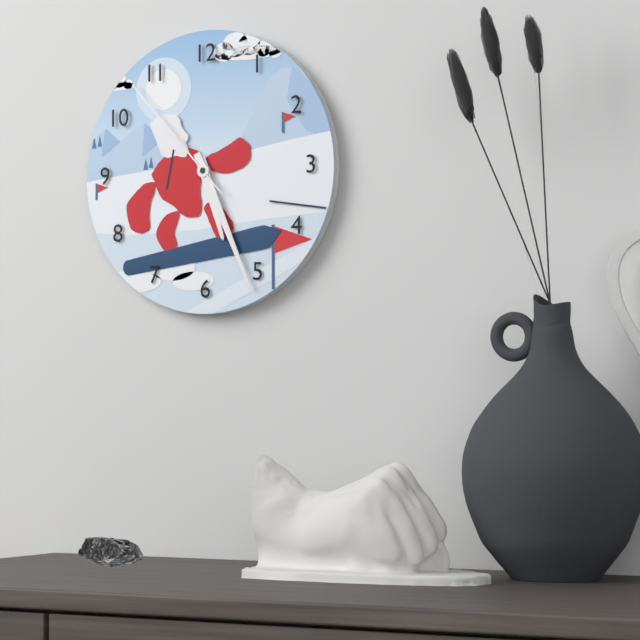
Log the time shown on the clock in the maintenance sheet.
5:26:53
